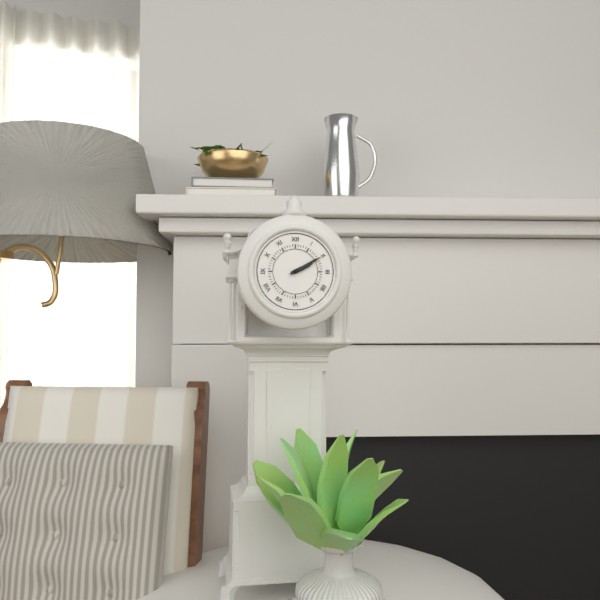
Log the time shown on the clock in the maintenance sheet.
2:10
